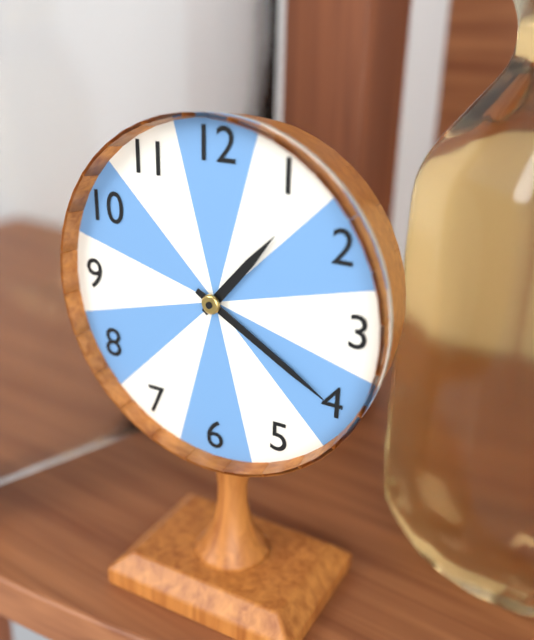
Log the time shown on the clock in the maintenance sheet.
1:20
